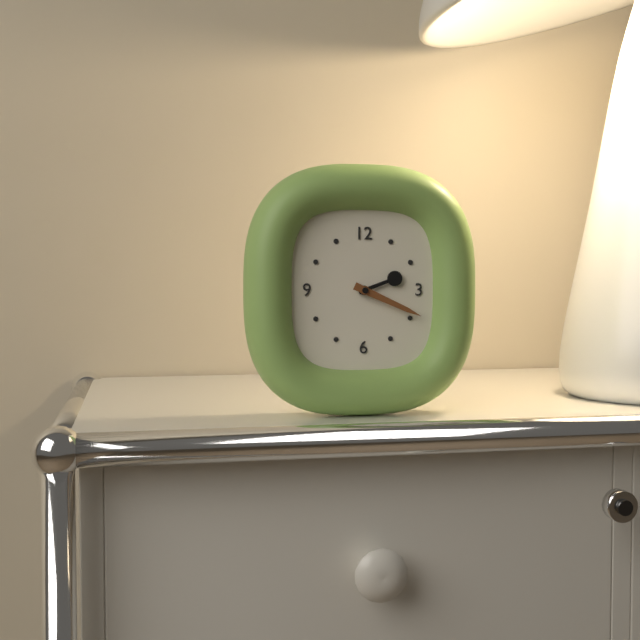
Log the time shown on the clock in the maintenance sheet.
2:19
